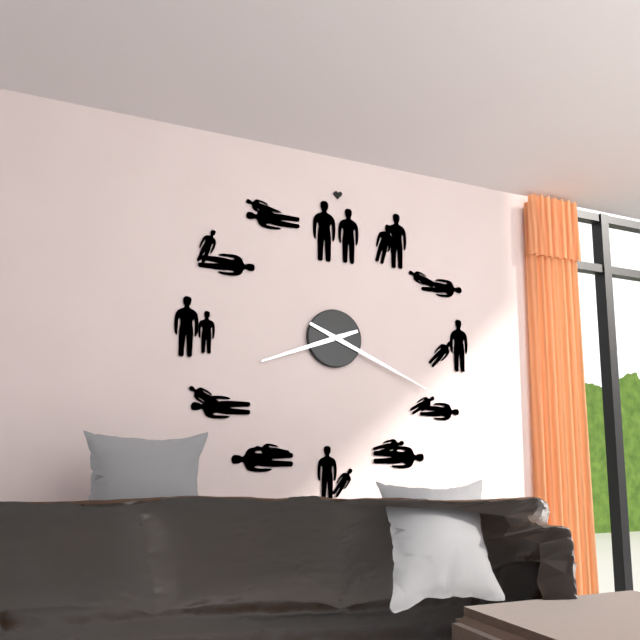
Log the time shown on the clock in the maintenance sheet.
8:19
